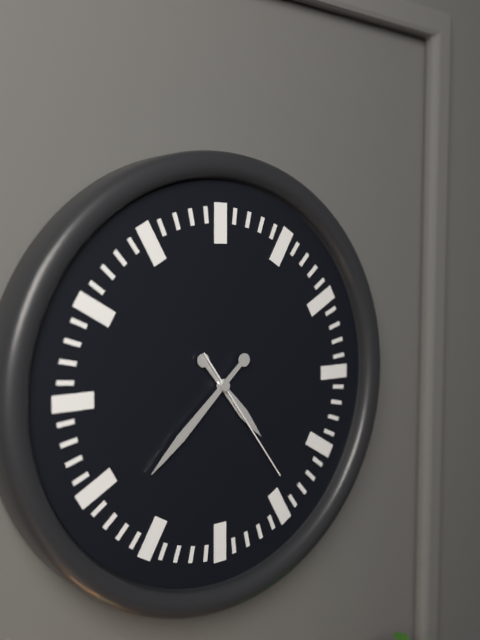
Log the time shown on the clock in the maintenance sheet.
4:38:24
